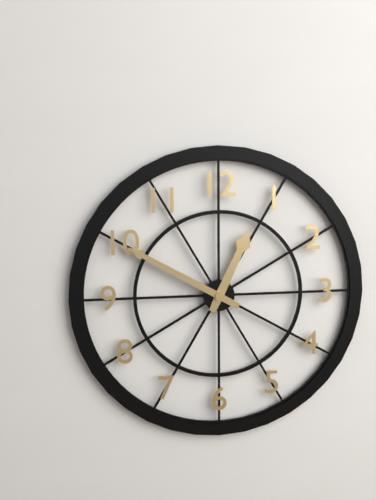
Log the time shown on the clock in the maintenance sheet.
12:50
